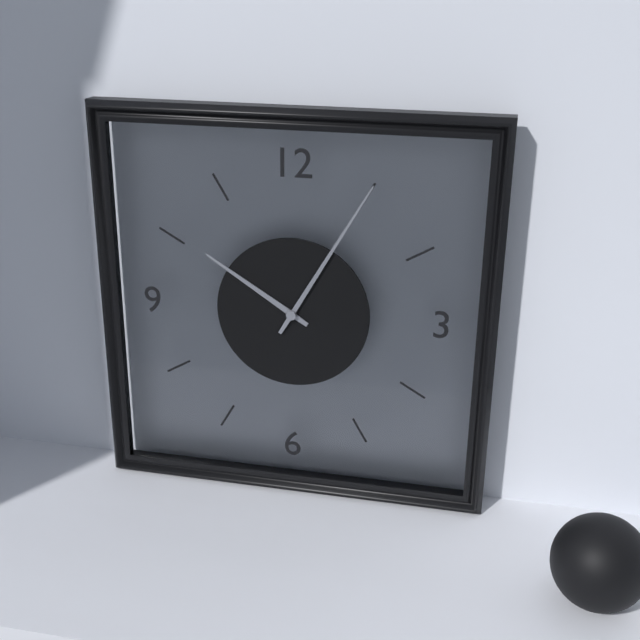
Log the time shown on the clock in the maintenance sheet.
10:05
